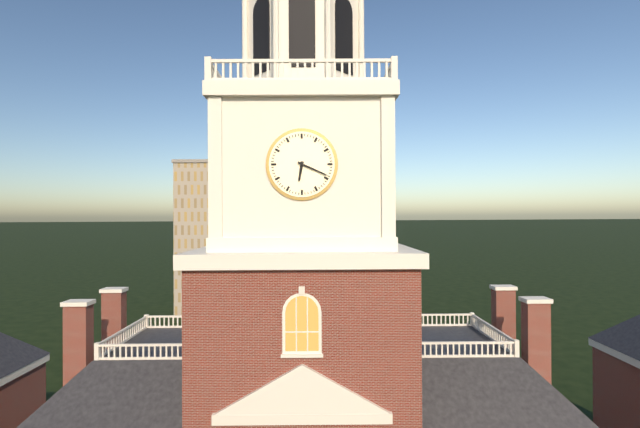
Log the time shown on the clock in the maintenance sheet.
6:19
